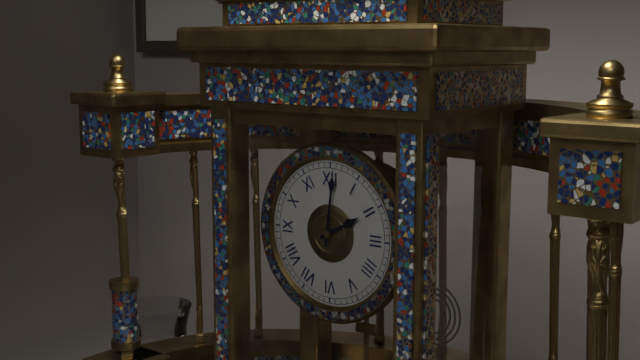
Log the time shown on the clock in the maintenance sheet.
2:01
